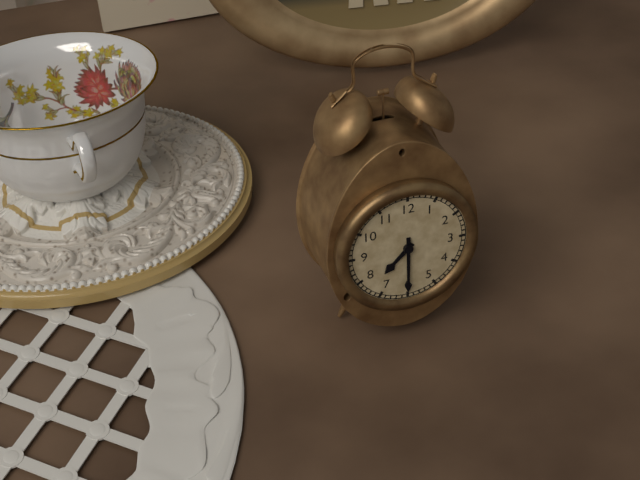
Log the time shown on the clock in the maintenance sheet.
7:30
